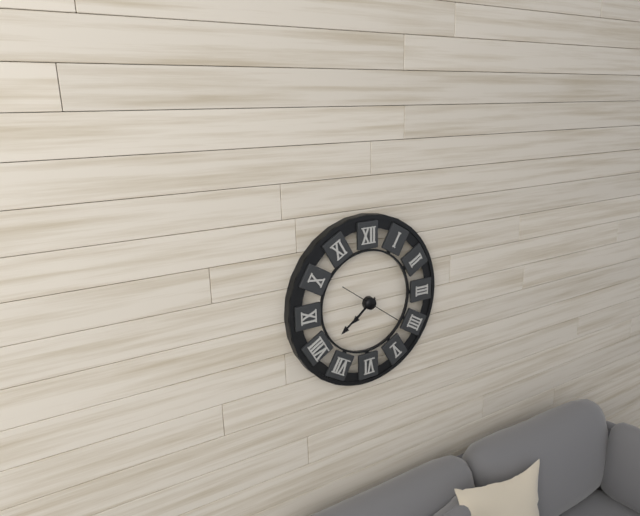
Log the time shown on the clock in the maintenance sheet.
7:39:21
